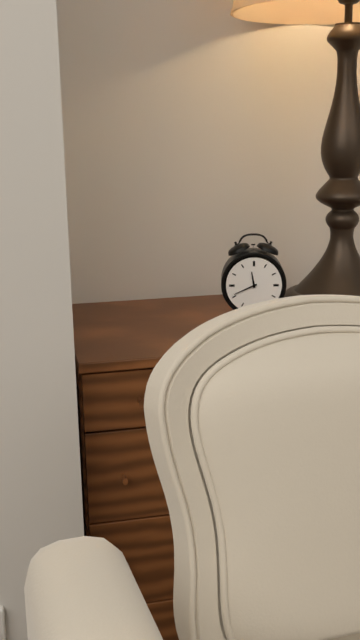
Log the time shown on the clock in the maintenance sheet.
11:41
